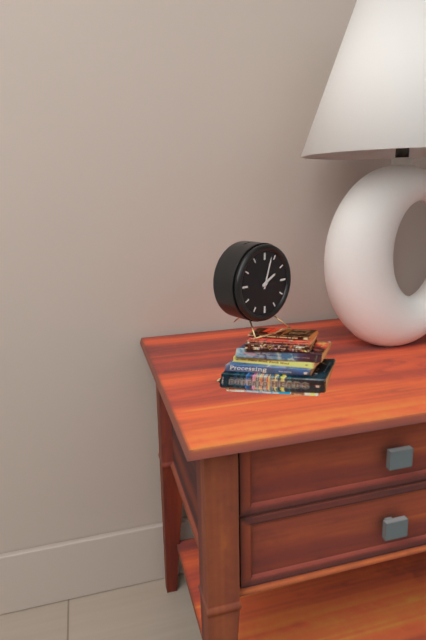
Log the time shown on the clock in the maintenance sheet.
2:03
